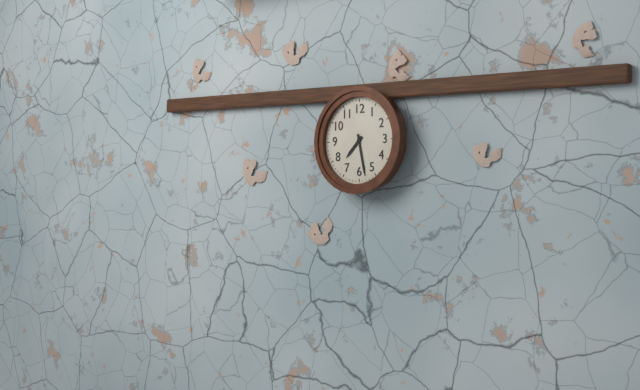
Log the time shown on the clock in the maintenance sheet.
7:28
